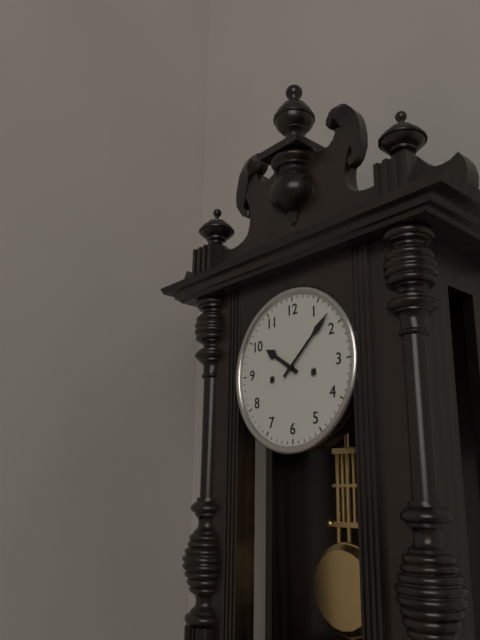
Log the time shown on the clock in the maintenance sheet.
10:08
